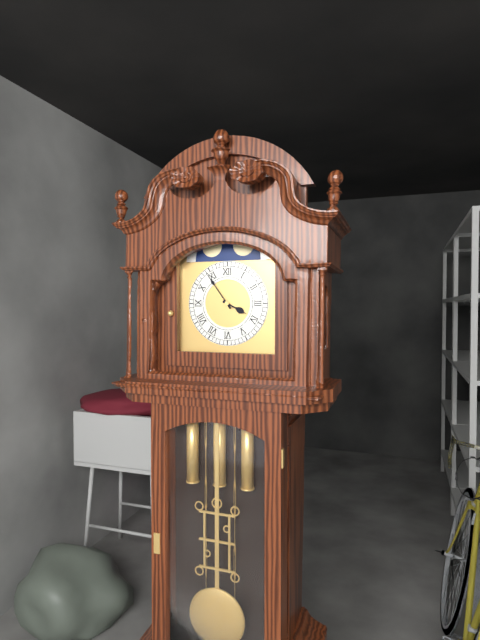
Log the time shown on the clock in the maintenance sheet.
3:54
